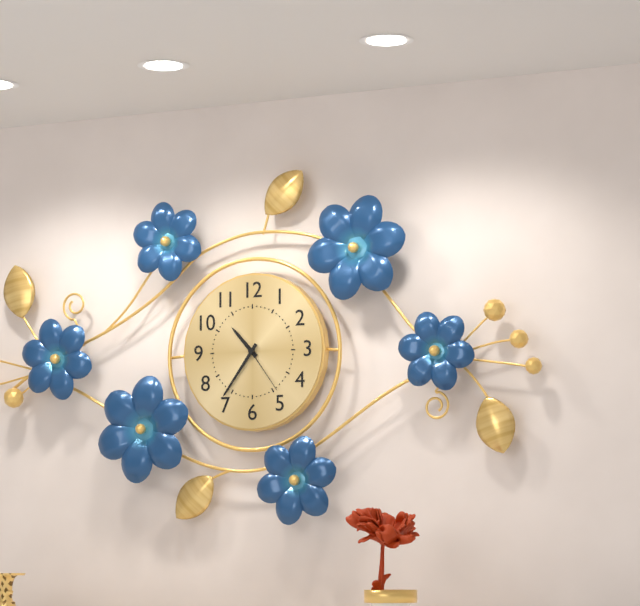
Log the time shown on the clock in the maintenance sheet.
10:36:24
